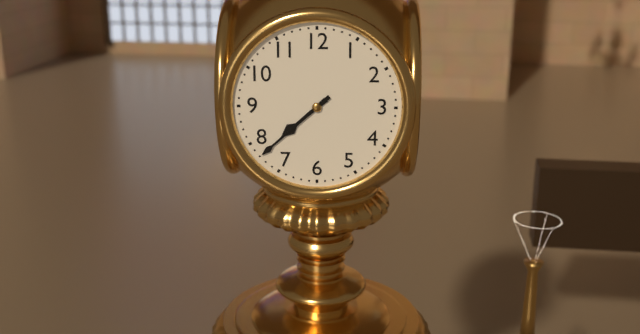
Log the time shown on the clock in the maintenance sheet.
7:38
